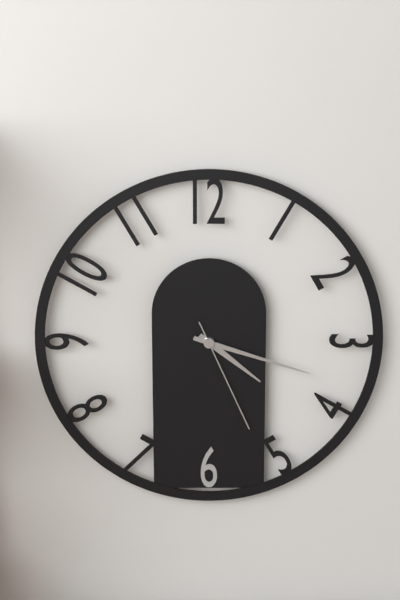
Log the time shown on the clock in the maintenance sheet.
4:18:26
